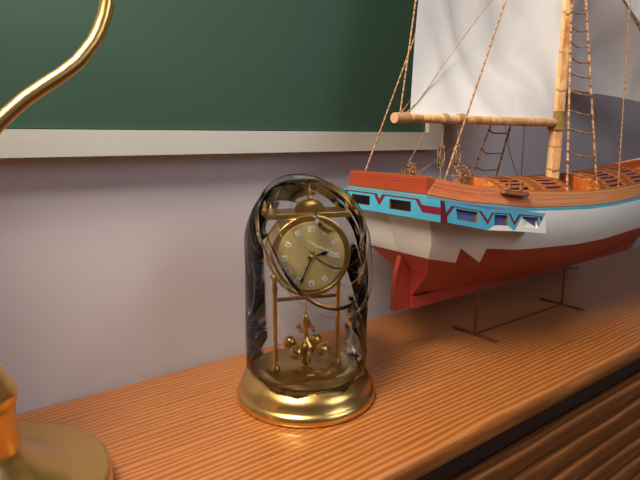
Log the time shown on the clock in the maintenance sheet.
2:34
